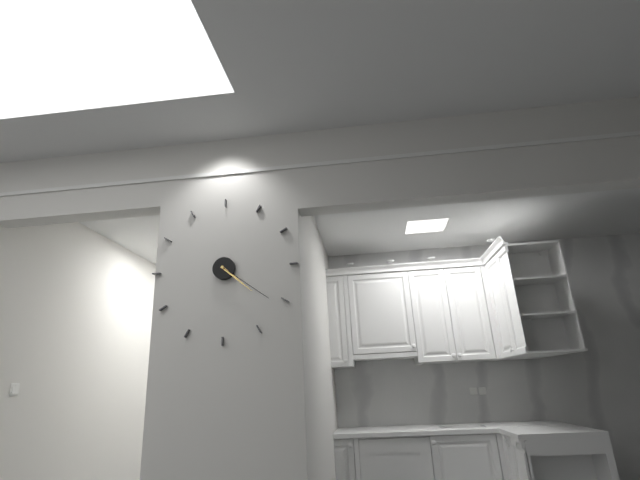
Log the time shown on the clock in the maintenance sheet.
4:21
